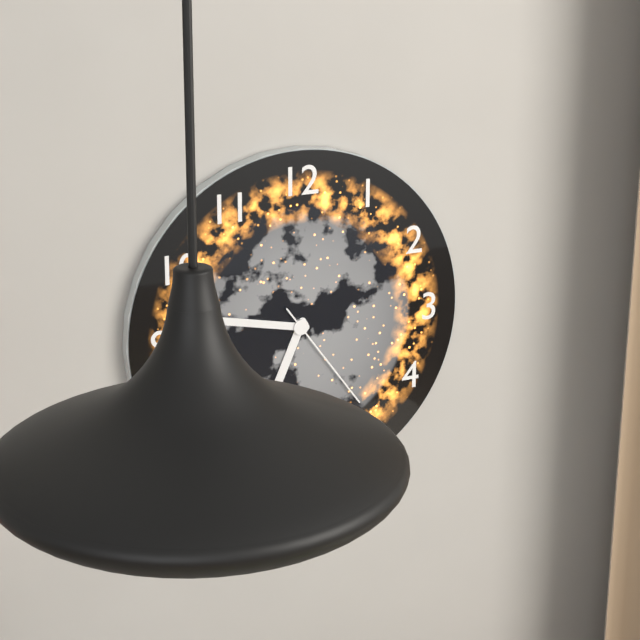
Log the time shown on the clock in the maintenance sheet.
6:47:24
